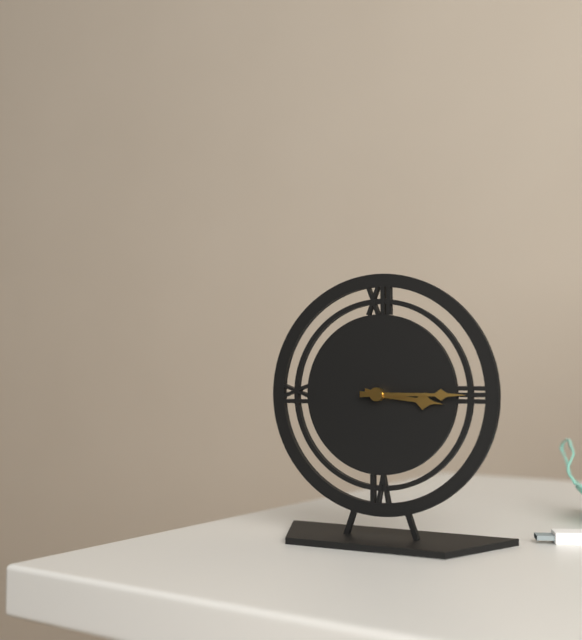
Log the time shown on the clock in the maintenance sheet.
3:15
